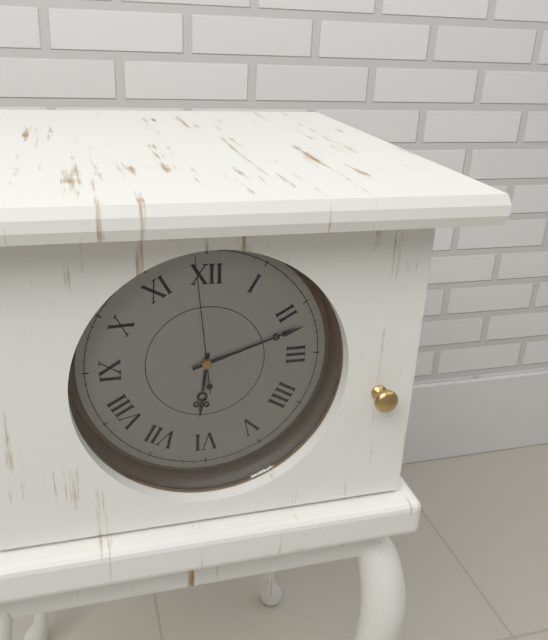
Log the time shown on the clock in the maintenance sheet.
6:12:59
